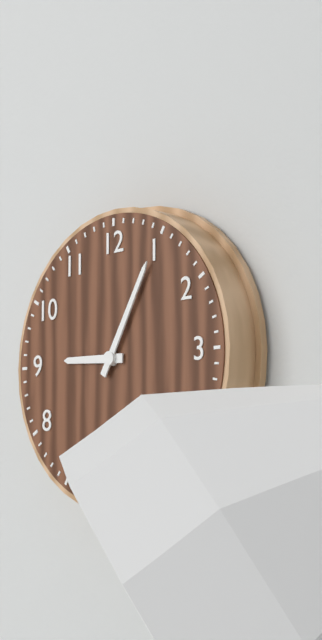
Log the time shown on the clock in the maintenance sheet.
9:05
